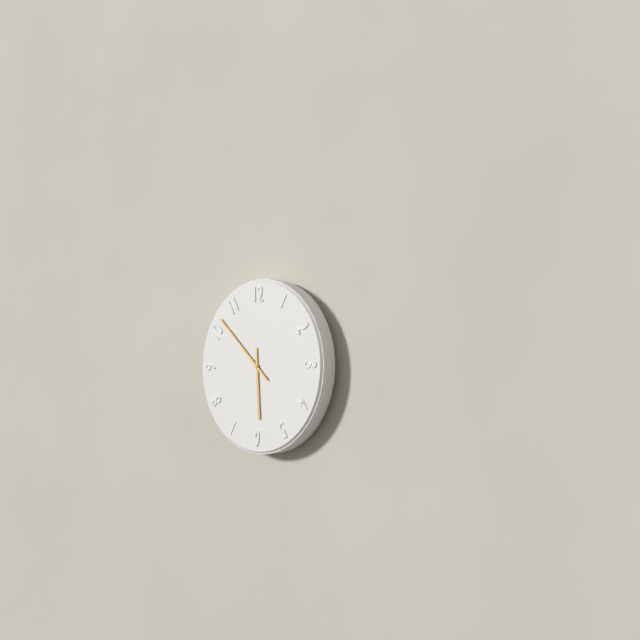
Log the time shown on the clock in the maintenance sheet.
5:52
